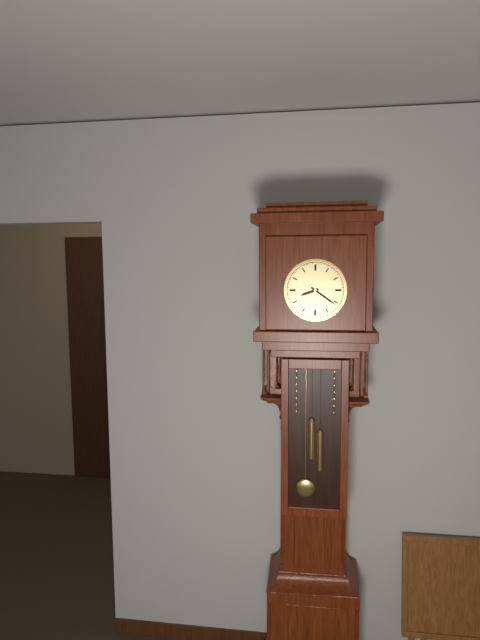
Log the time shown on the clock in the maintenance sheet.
8:21
